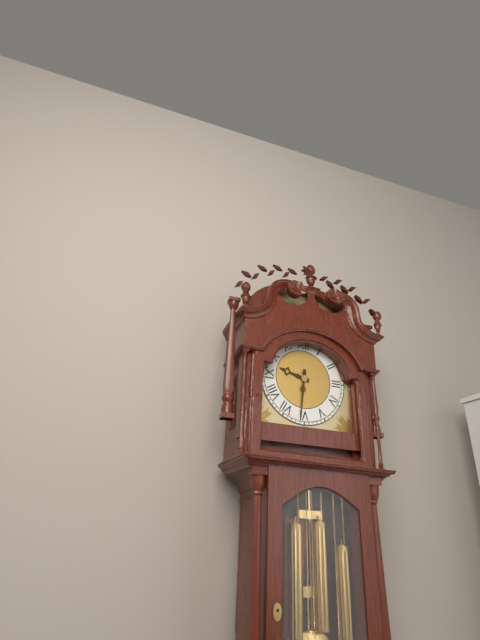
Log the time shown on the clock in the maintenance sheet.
9:31
